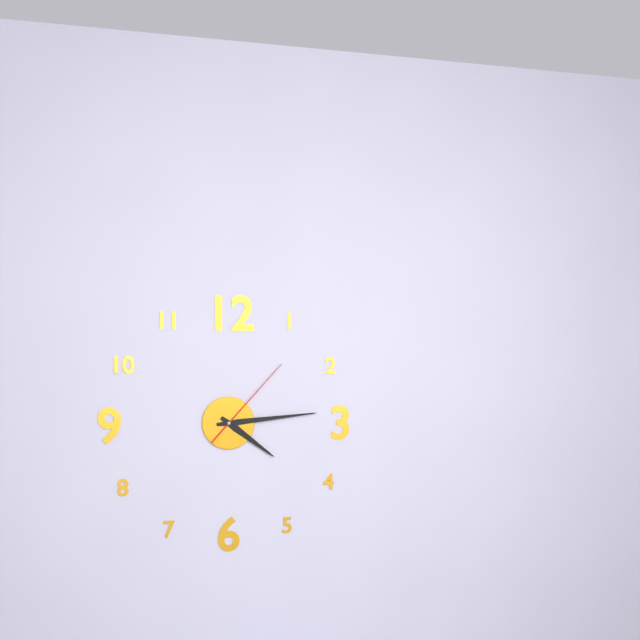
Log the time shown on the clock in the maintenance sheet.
4:14:07
